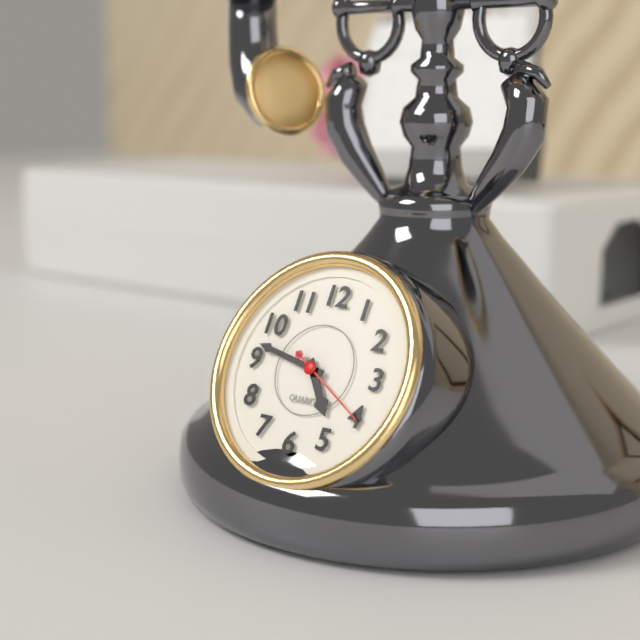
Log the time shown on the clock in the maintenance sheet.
4:47:20
